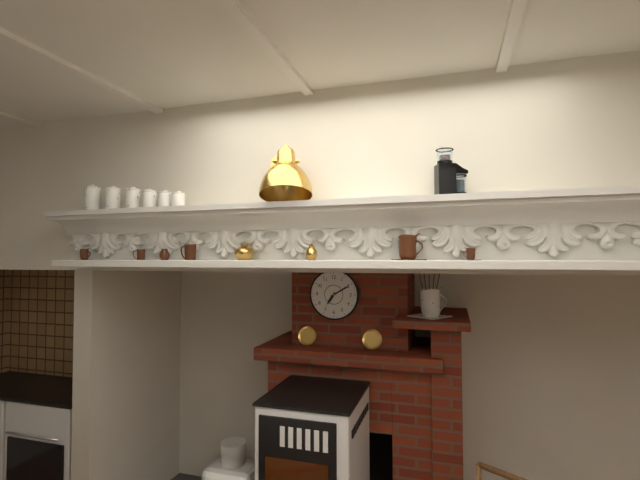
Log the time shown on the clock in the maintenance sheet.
7:10
